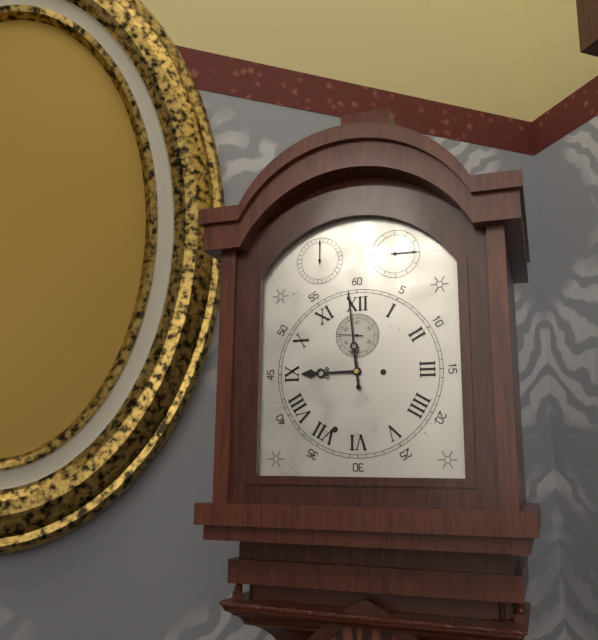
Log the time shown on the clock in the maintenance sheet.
8:59
